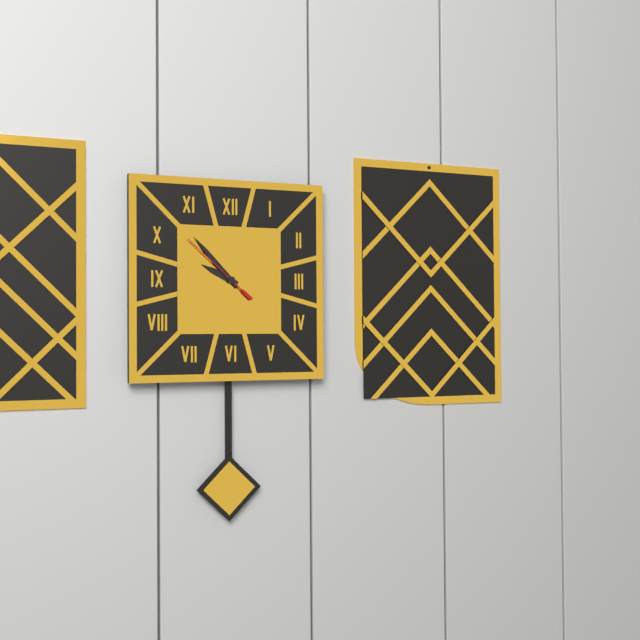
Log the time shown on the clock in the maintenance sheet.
9:53:52
